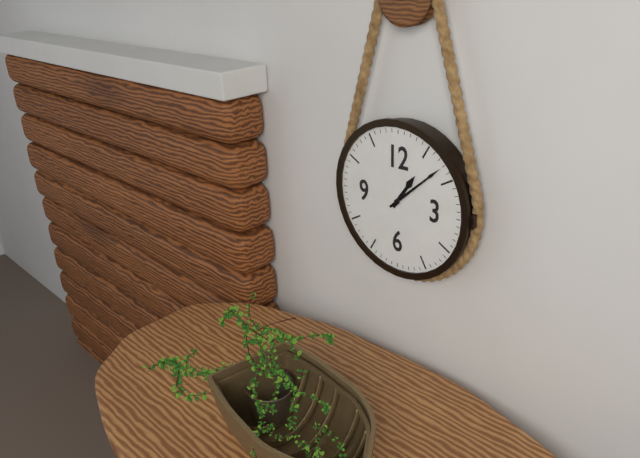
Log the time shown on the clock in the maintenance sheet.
1:08
